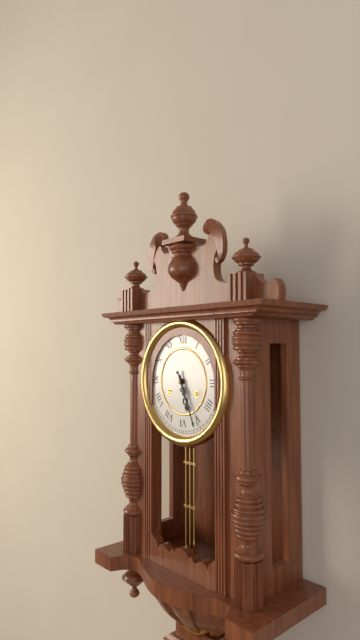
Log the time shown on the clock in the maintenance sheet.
5:26
